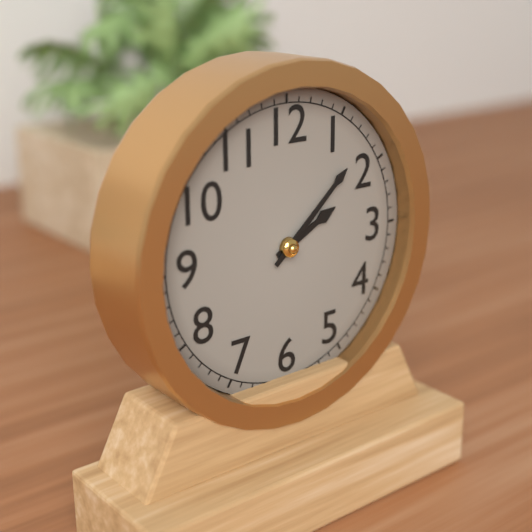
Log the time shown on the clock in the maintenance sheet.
2:08
